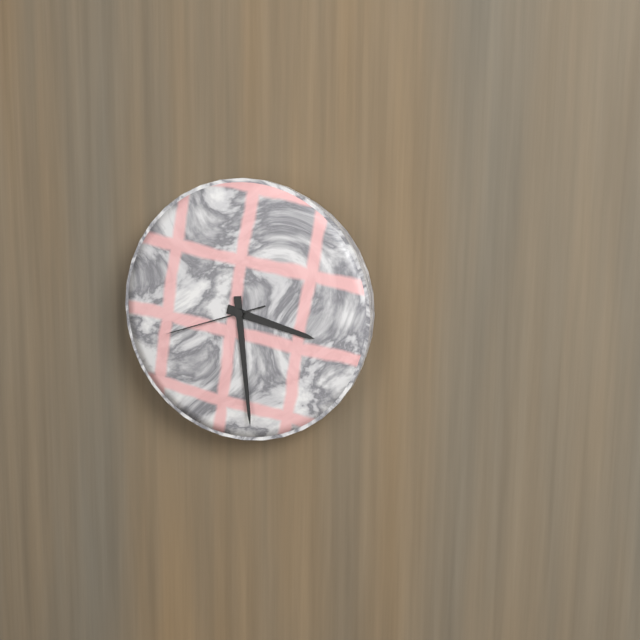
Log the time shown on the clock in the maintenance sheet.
3:29:42
